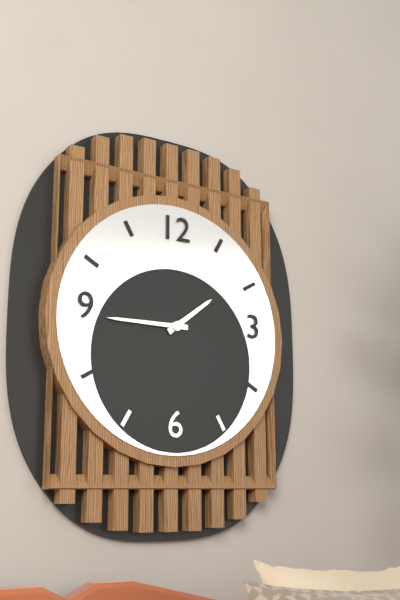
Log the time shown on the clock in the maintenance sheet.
1:45
